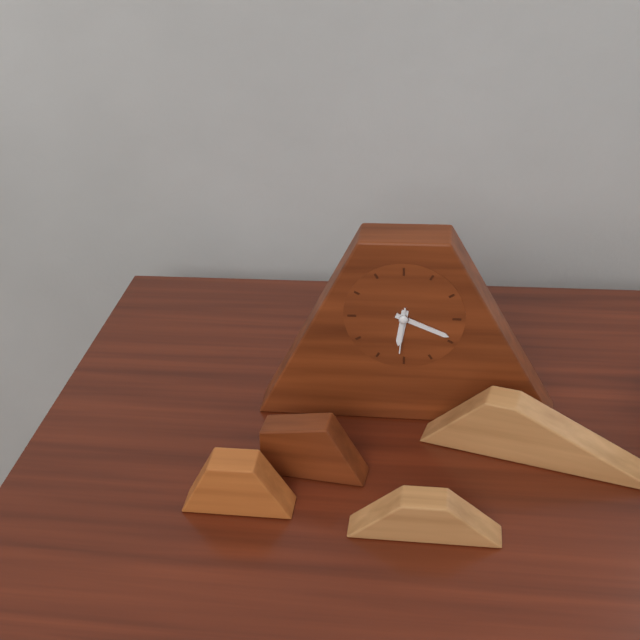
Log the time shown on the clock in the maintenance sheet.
6:19
